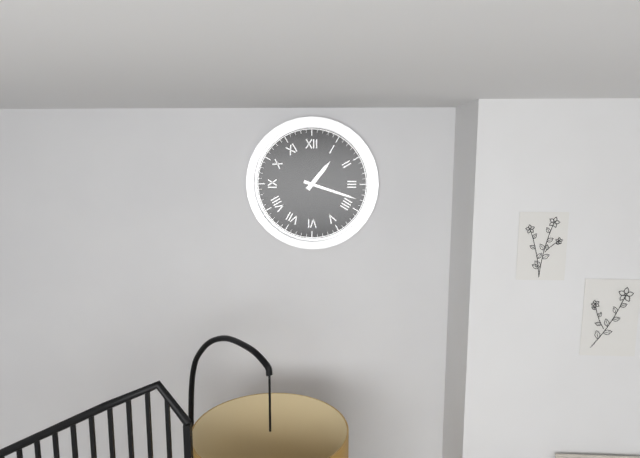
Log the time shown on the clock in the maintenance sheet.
1:18
